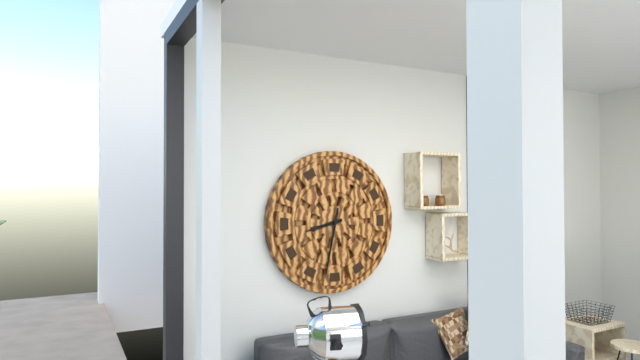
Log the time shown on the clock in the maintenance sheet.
8:32
